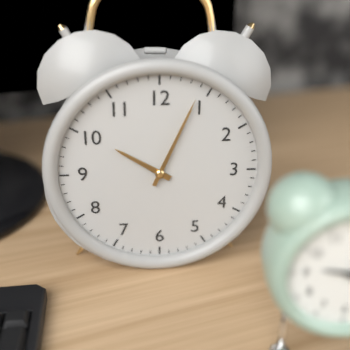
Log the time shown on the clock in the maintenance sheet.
10:04
